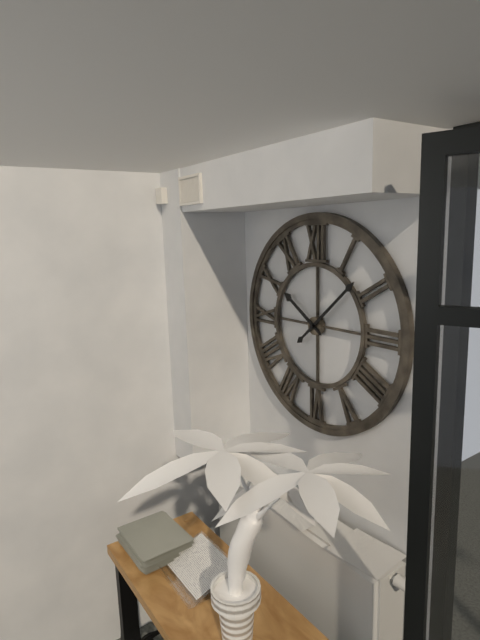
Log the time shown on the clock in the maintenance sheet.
10:08
